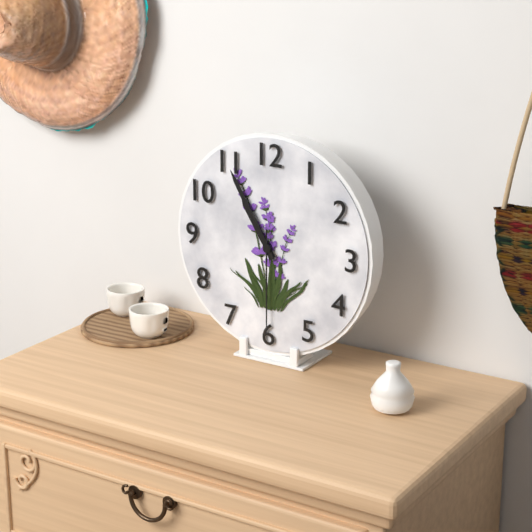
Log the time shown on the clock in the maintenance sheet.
10:55:30
